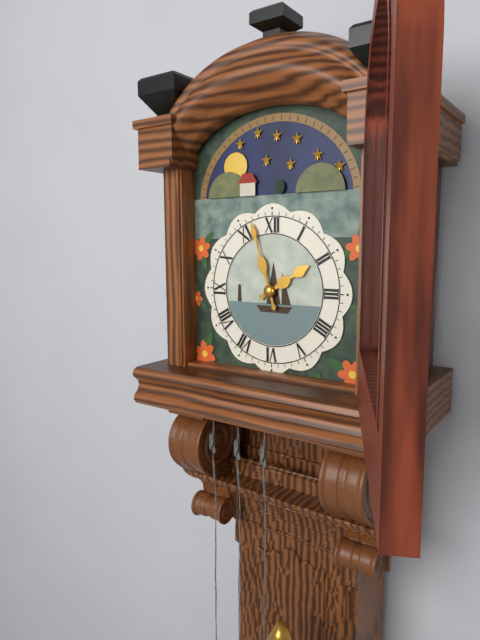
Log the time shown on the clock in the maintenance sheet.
1:57
